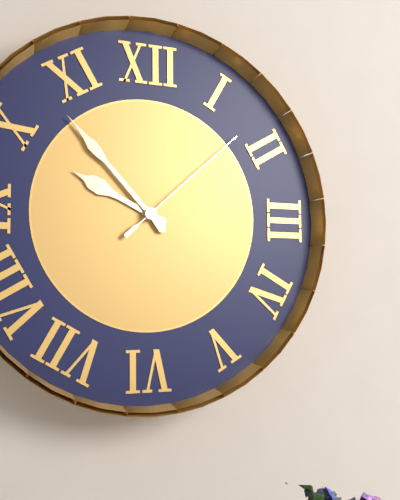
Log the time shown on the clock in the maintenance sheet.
9:53:08
